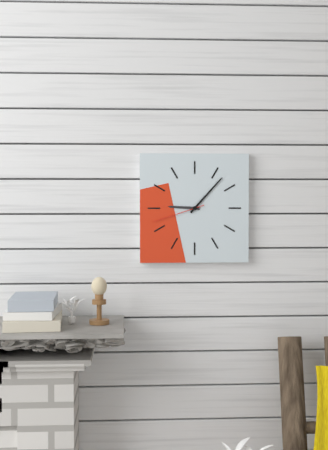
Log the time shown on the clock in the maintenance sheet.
9:07:42
